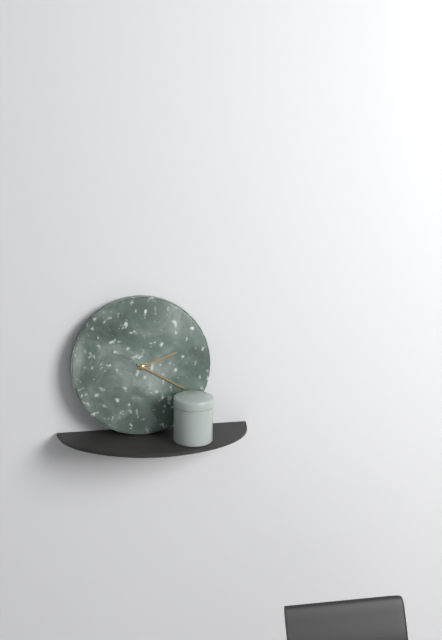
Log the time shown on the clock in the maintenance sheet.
2:20
